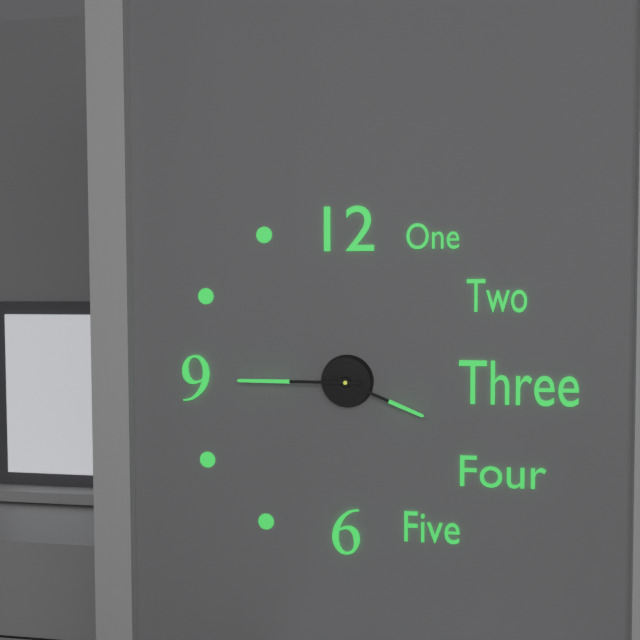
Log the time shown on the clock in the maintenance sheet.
3:45
